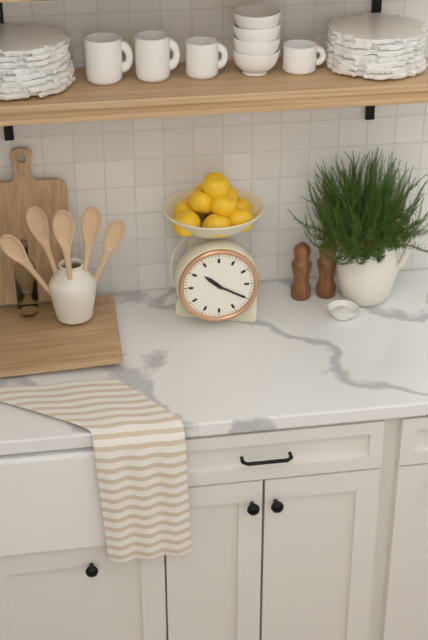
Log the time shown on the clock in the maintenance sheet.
10:20
